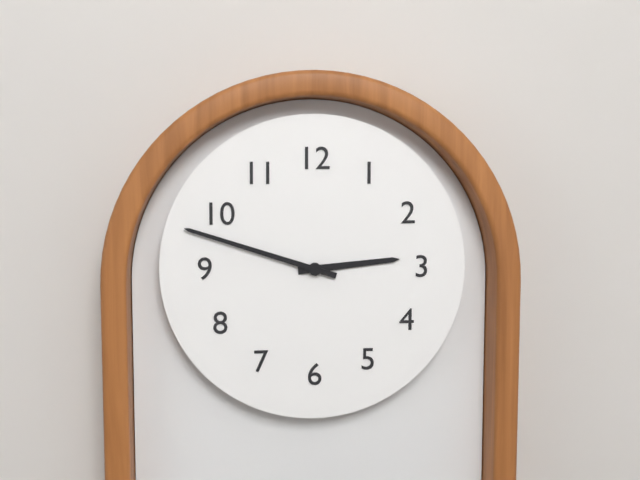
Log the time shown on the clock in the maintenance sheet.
2:48
